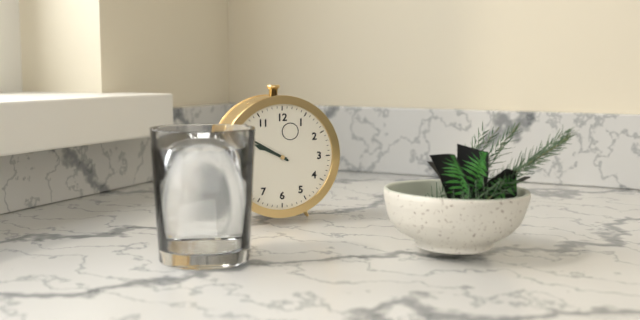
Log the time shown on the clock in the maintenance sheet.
9:50
